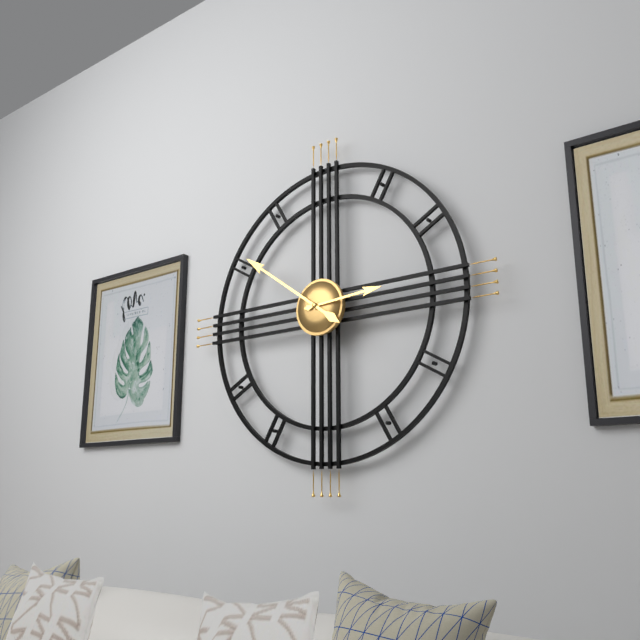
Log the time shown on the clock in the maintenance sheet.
2:51
